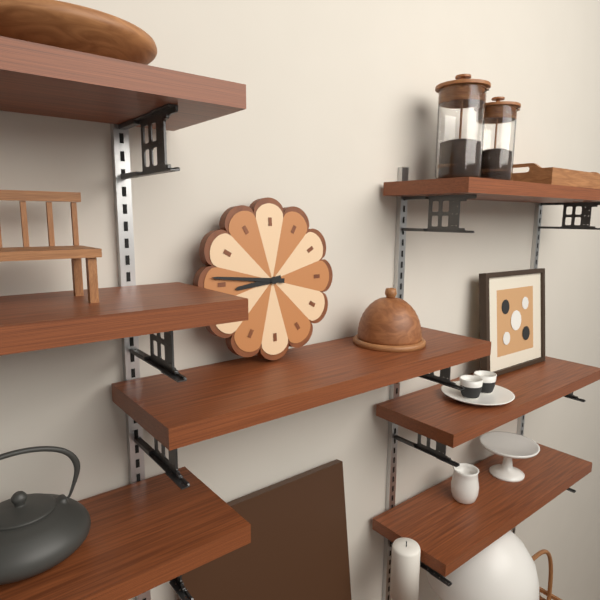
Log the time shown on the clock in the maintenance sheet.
8:46
